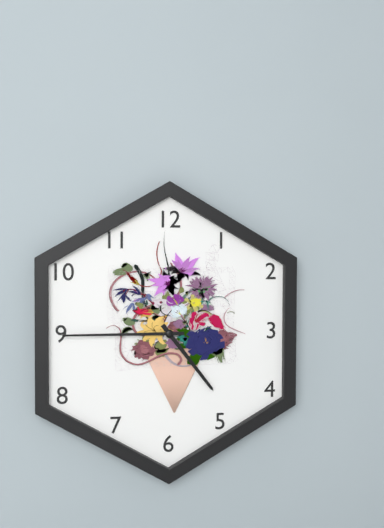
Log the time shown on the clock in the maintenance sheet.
4:45
